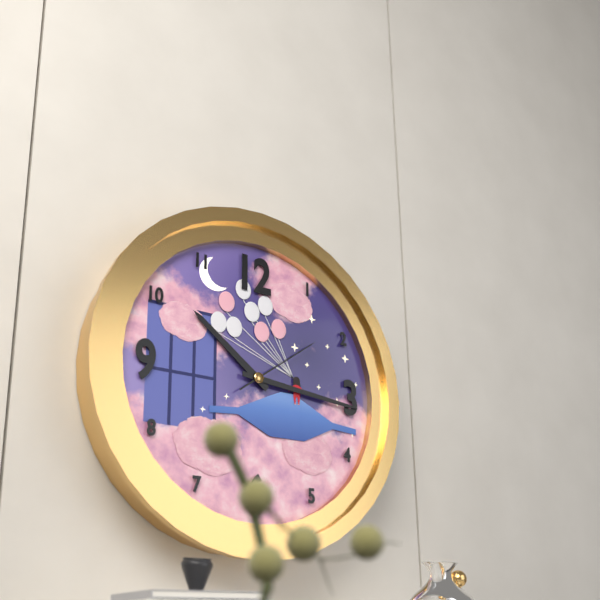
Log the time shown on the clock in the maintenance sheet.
10:16:09
